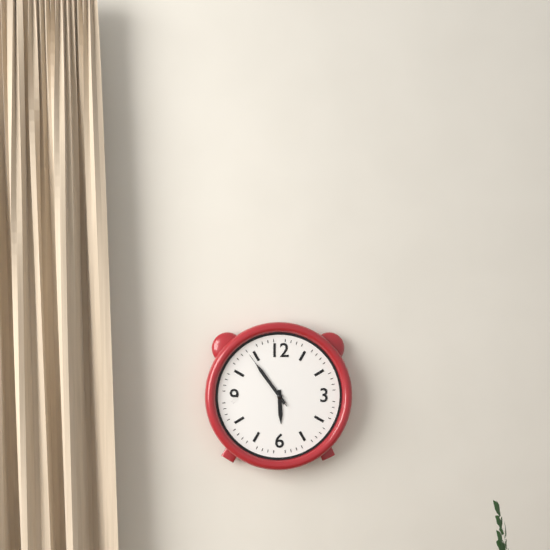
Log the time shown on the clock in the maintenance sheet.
5:54:54
